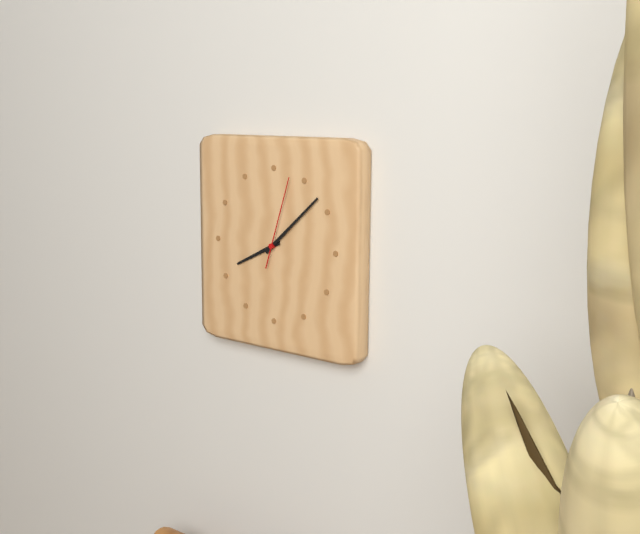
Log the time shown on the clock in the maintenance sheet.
8:08:03
